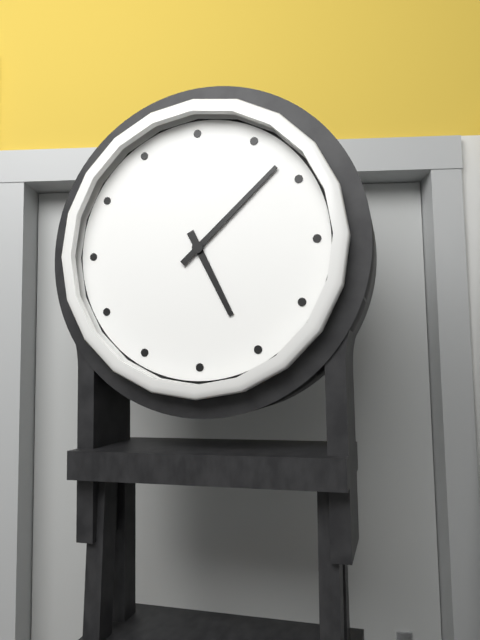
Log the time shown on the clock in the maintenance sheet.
5:08
